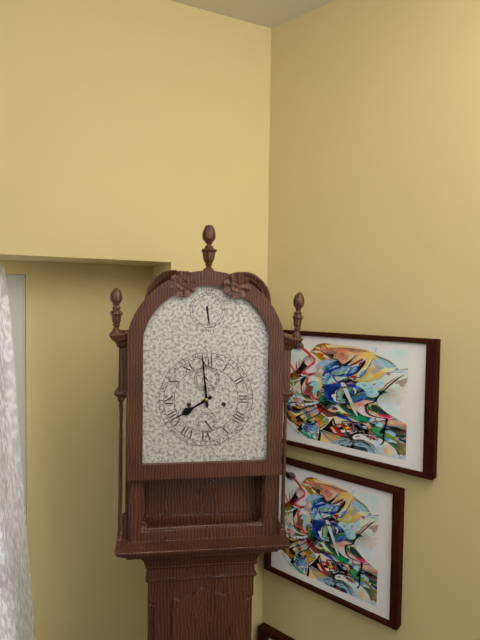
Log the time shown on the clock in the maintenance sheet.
7:59
